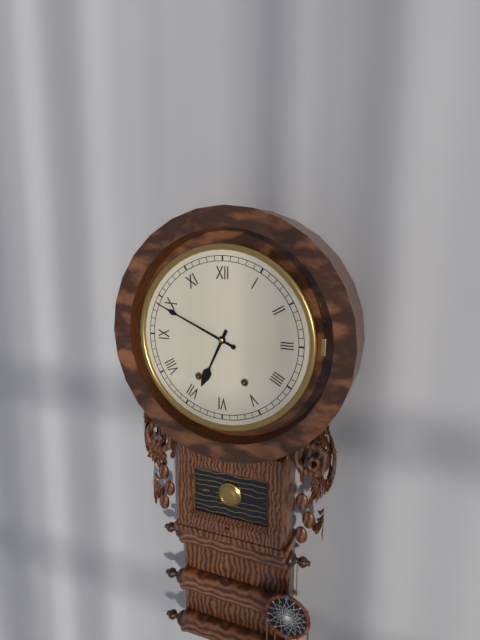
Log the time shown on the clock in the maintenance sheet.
6:49
